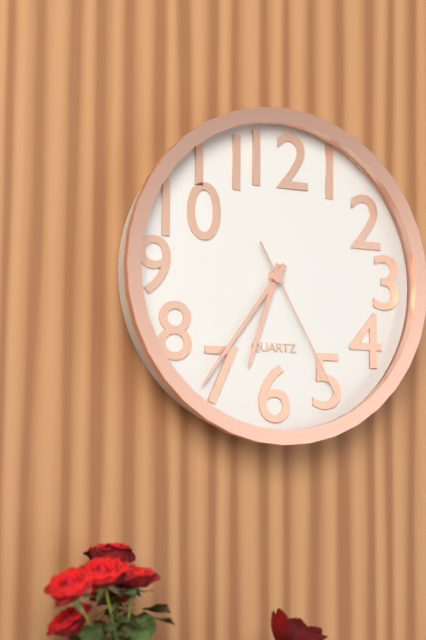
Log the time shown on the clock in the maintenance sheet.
6:36:25
